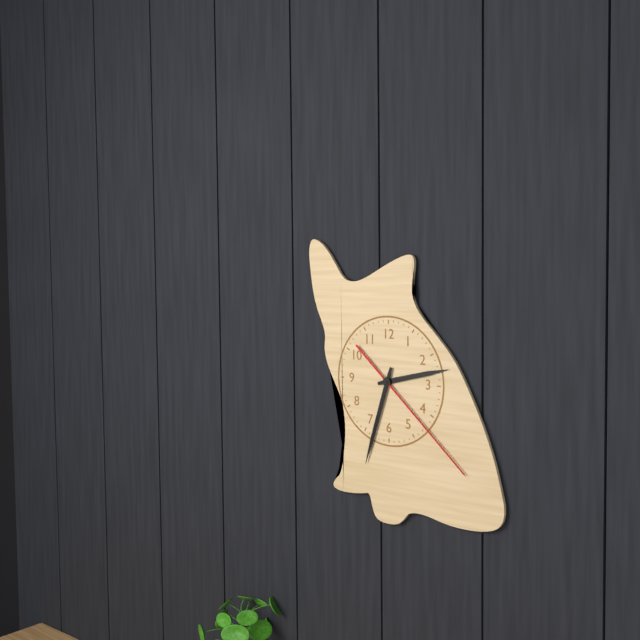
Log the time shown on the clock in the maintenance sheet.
2:33:22
